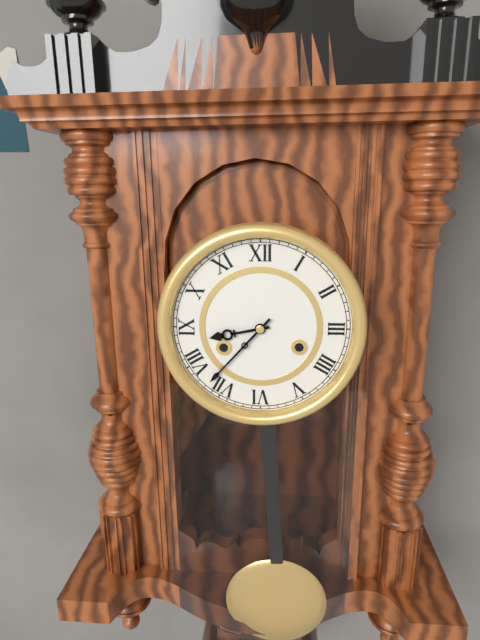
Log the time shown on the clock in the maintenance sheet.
8:37
